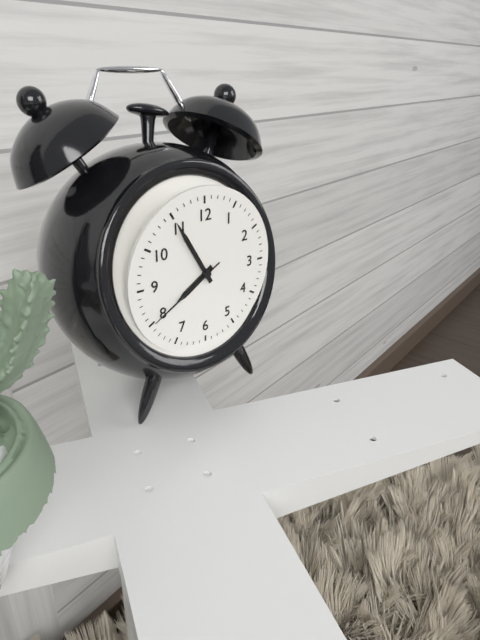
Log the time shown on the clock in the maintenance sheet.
7:55:40
